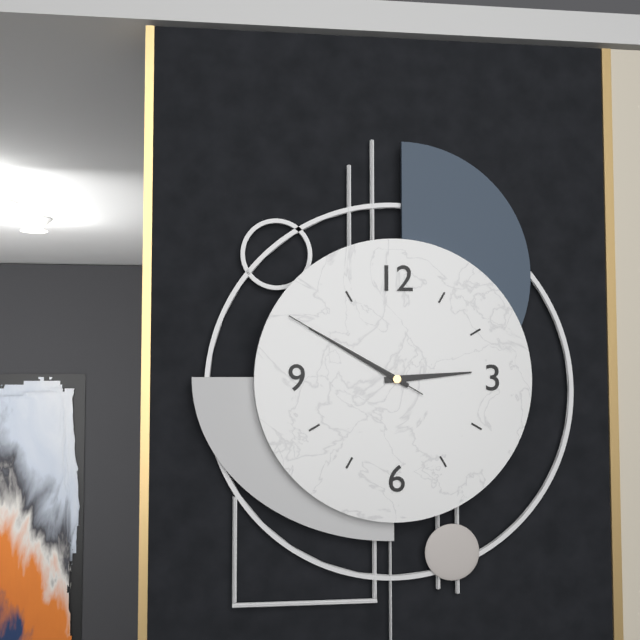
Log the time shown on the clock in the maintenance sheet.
2:50:50
